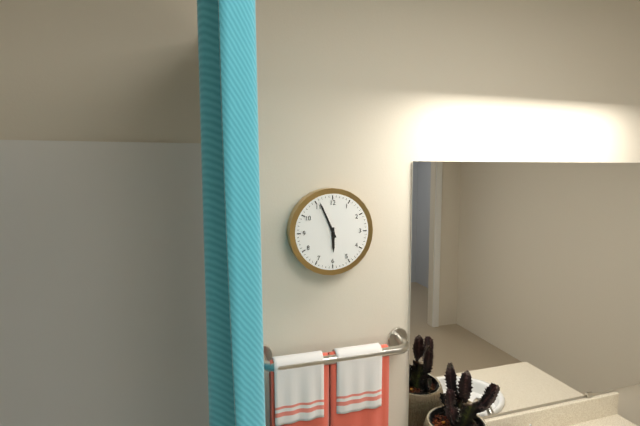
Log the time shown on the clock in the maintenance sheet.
5:56
